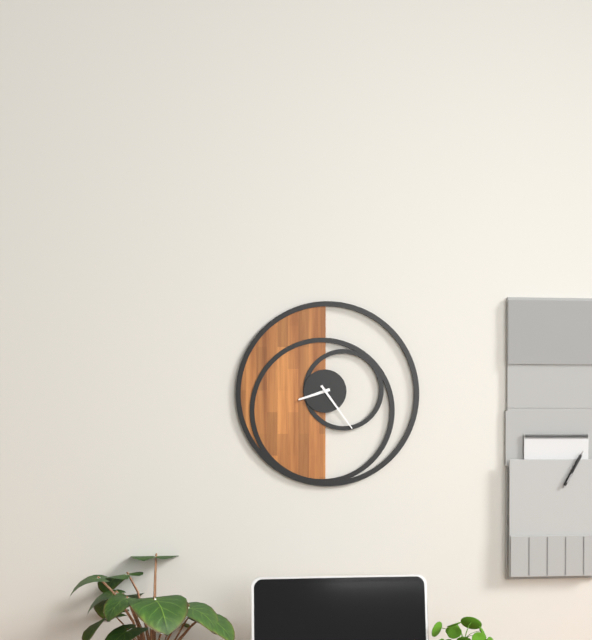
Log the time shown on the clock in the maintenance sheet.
8:24
